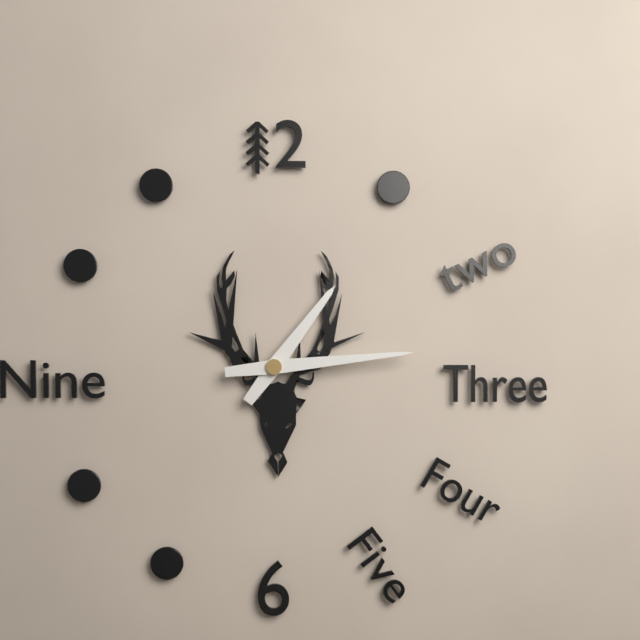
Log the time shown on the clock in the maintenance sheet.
1:14
